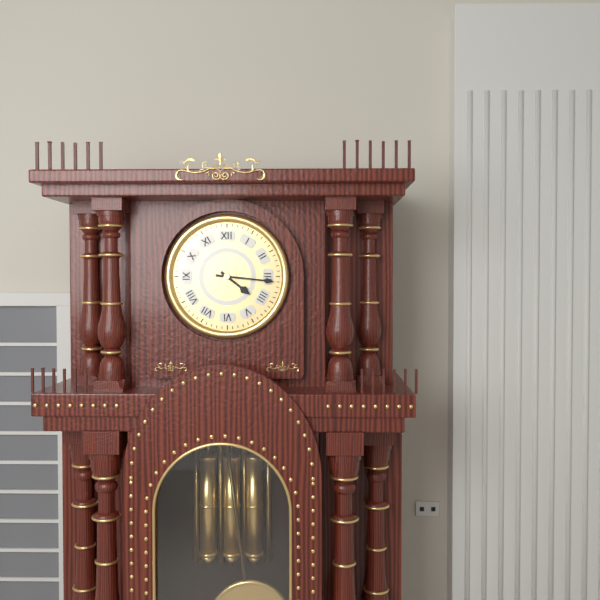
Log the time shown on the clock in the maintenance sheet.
4:16
